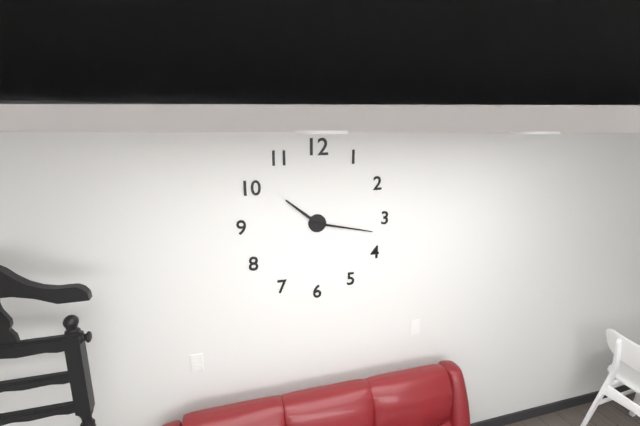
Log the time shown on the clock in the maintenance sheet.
10:17
